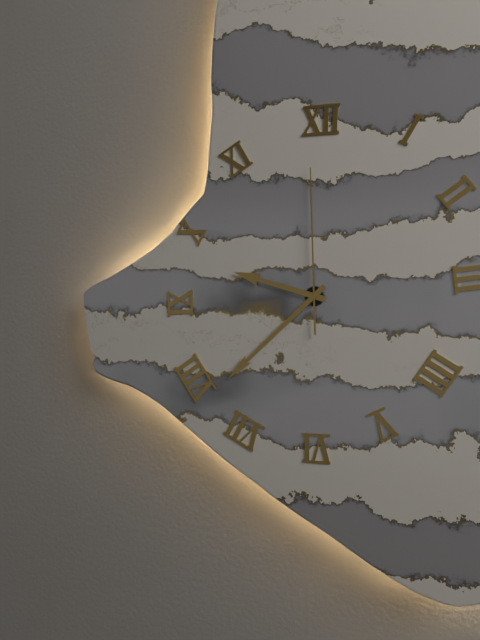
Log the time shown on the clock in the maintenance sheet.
9:38:00
